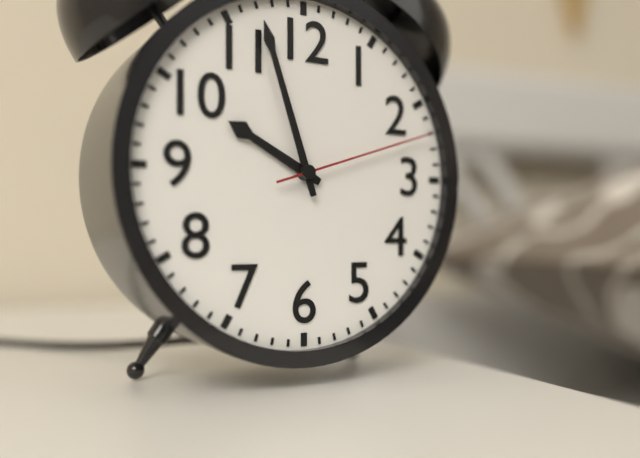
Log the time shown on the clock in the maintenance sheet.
9:57:12
